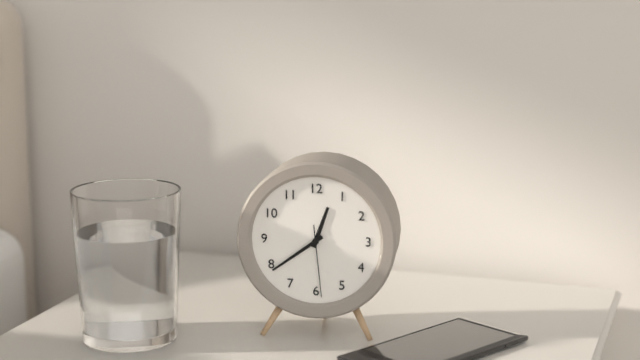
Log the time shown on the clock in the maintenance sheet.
12:39:29
